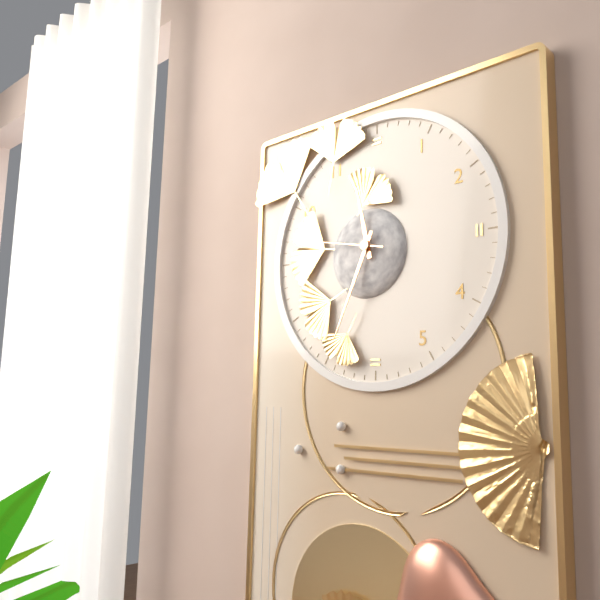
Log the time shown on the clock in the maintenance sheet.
11:34:47
